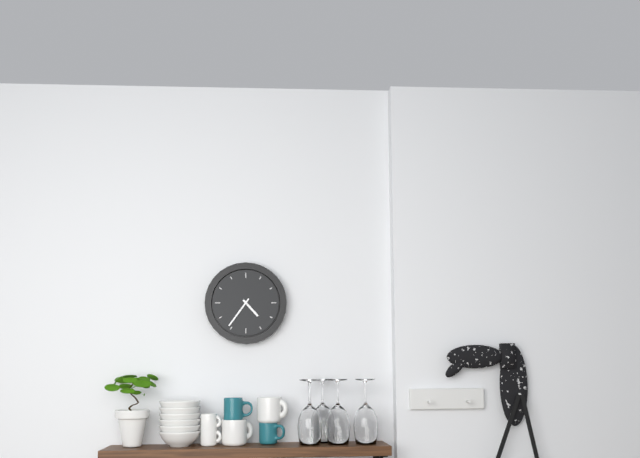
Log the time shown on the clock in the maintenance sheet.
4:36
